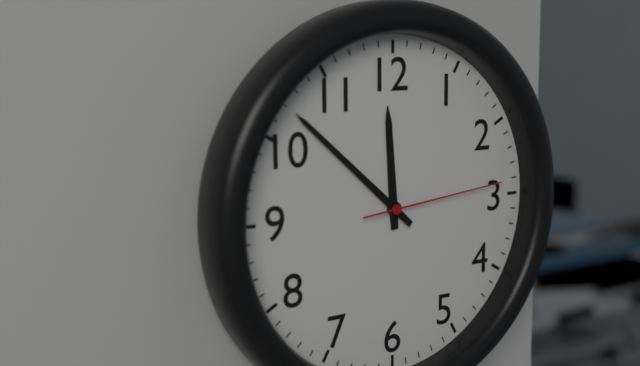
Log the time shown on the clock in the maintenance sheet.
11:52:14
